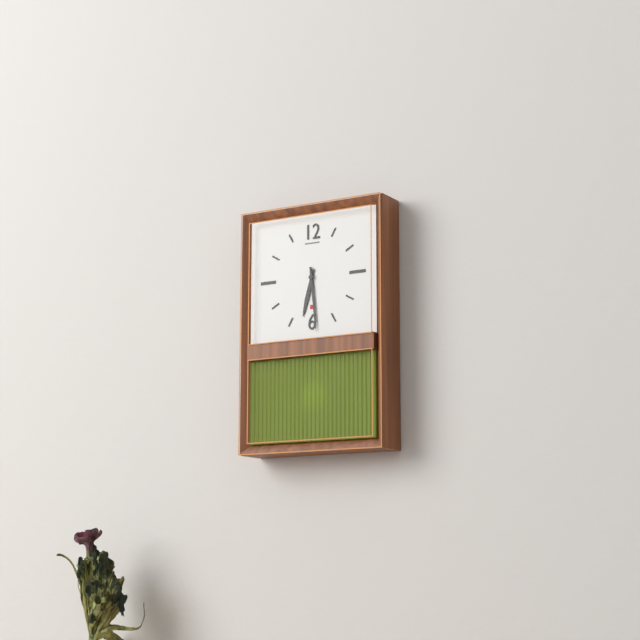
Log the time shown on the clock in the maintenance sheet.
6:29
